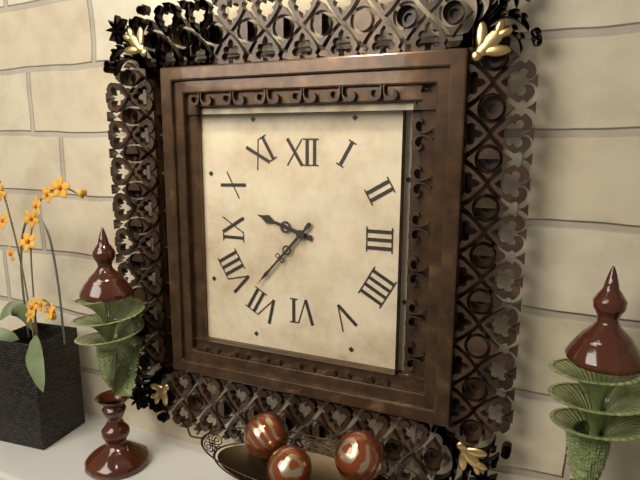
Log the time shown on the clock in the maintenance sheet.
9:37
